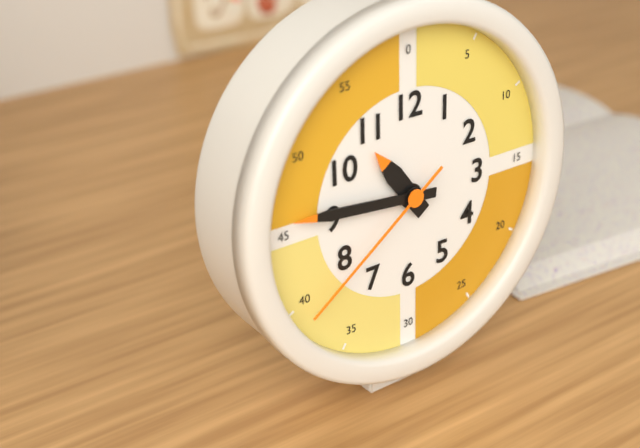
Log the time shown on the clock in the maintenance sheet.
10:46:39
